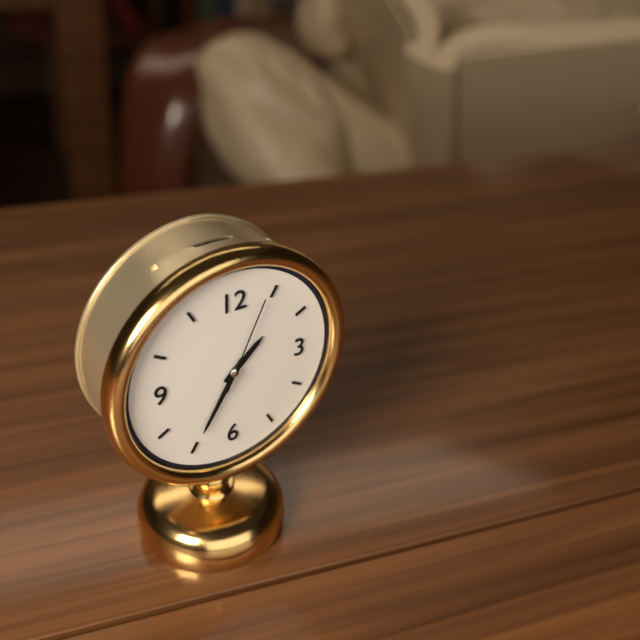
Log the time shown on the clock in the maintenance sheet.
1:35:04
